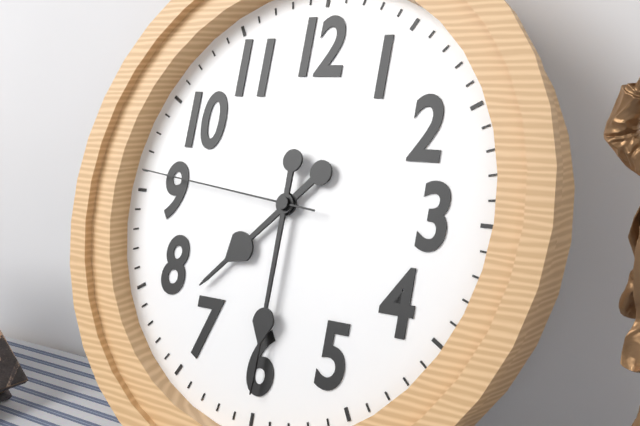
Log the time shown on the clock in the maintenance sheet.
7:30:46
